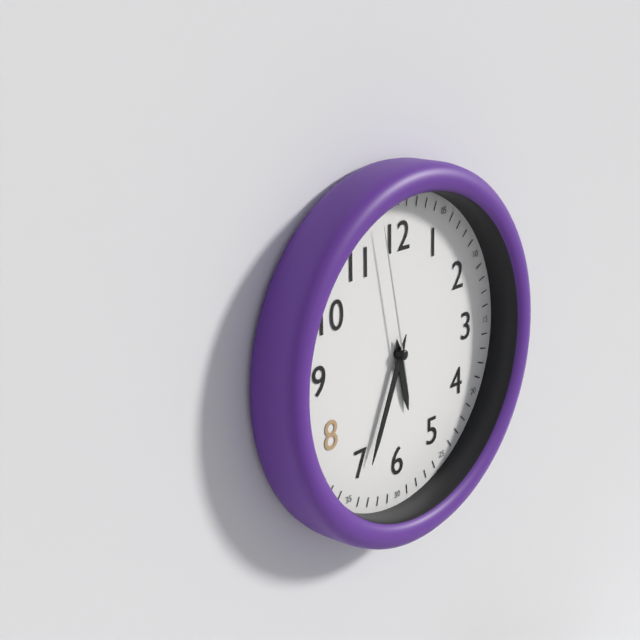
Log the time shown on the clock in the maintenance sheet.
5:34:58
